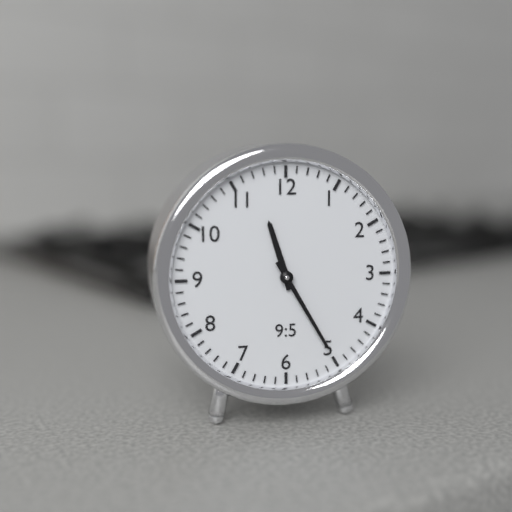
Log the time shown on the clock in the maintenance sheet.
11:25
